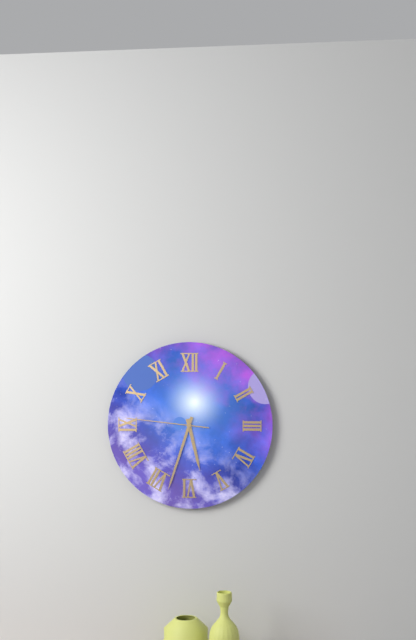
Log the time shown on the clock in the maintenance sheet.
5:33:46
